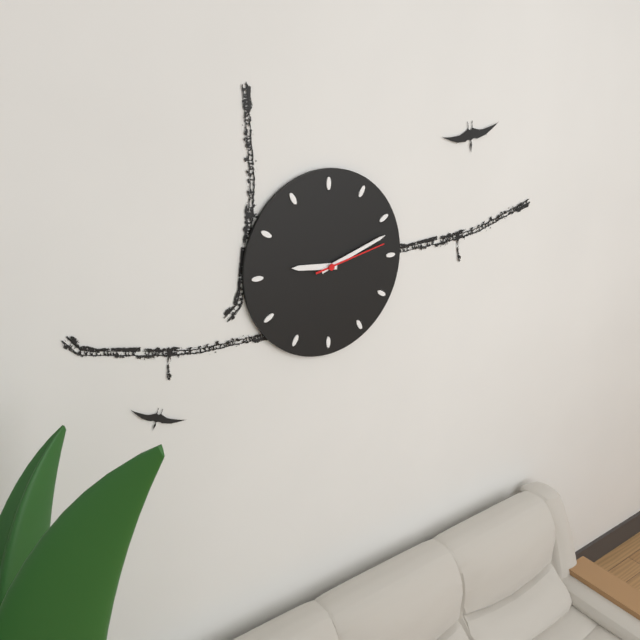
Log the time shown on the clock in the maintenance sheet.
9:12:13
